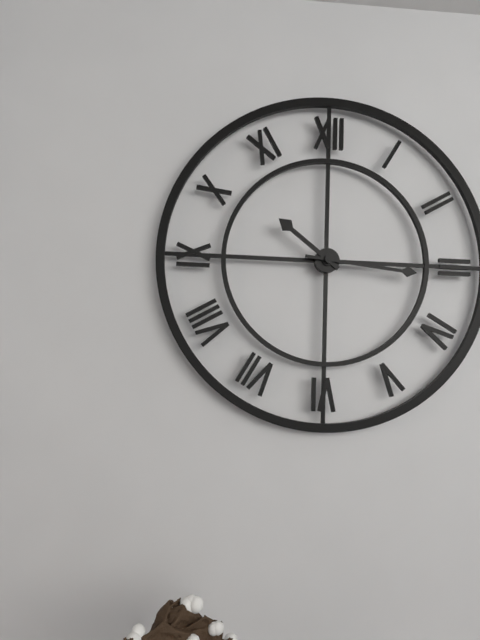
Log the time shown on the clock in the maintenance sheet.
10:16
